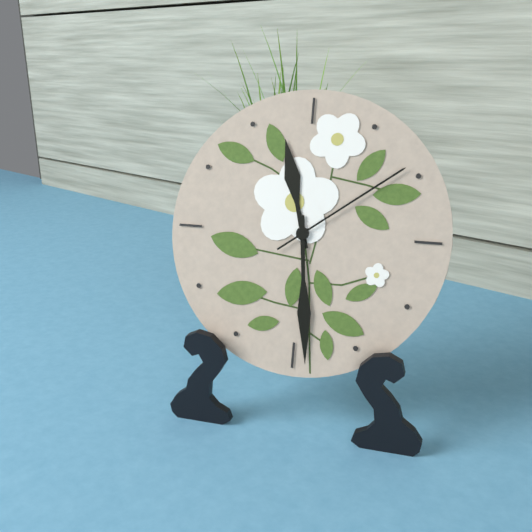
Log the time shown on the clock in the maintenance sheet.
11:29:09
